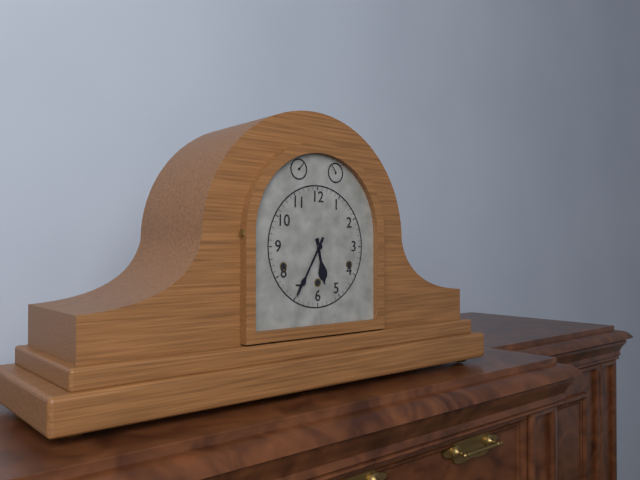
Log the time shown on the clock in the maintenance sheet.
5:35
